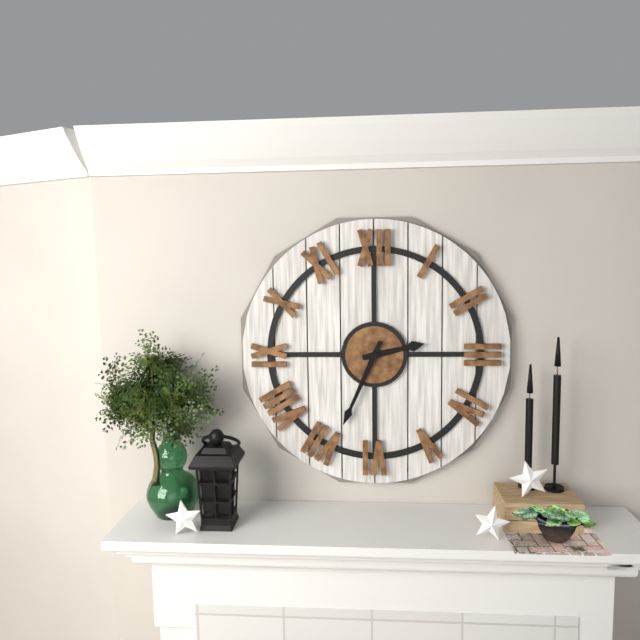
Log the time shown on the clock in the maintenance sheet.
2:34
